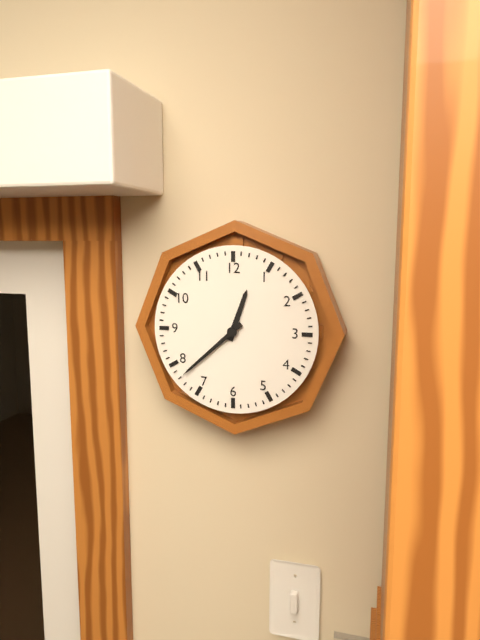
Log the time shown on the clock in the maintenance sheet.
12:38
